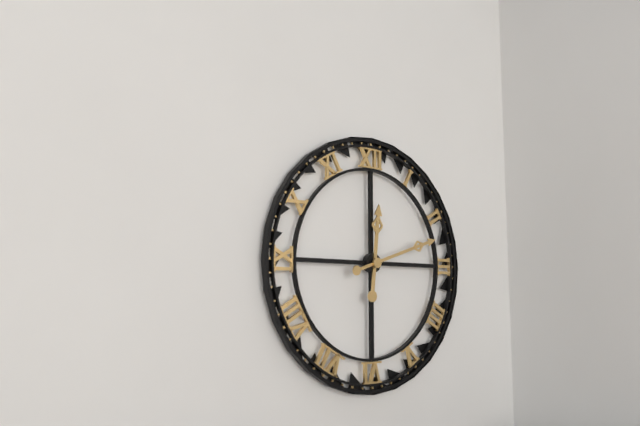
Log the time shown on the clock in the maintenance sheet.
12:12
